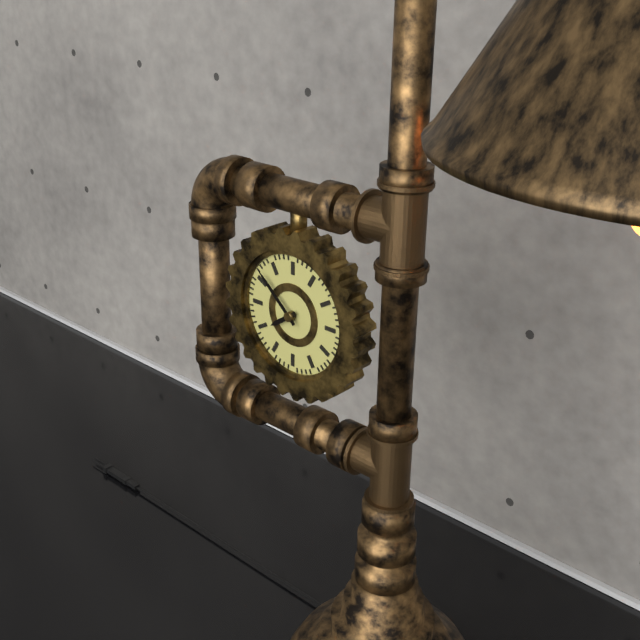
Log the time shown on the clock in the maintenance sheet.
7:52
